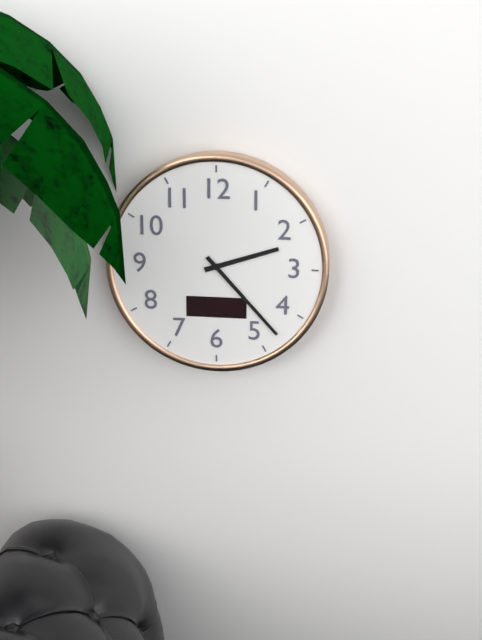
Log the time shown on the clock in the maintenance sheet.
2:23
